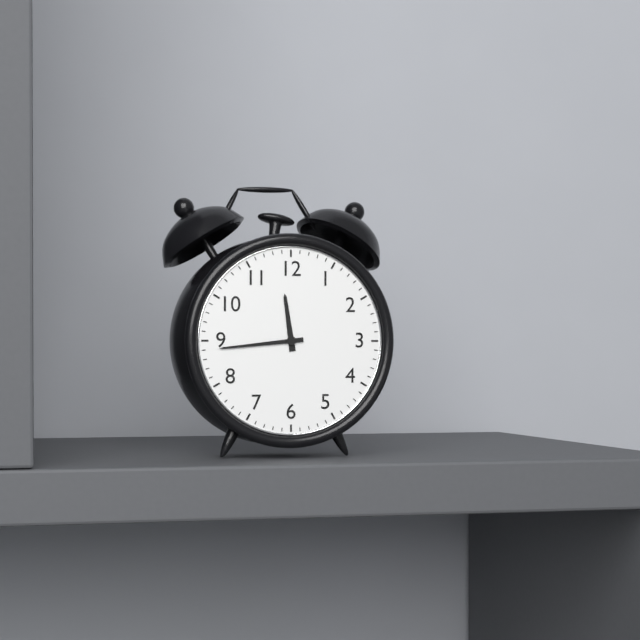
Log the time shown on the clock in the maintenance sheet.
11:44
